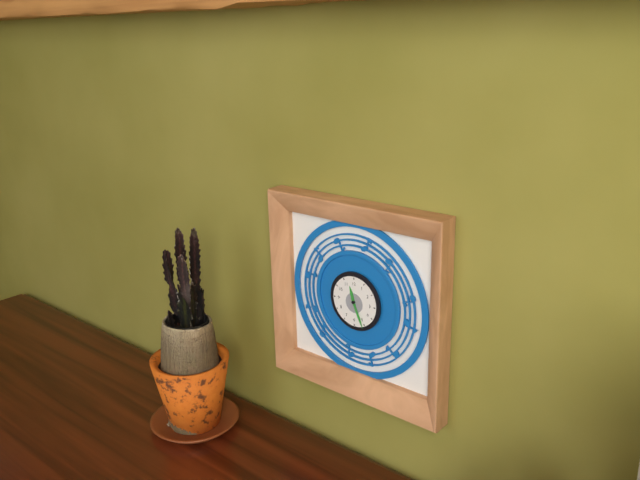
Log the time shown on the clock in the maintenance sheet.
11:26
